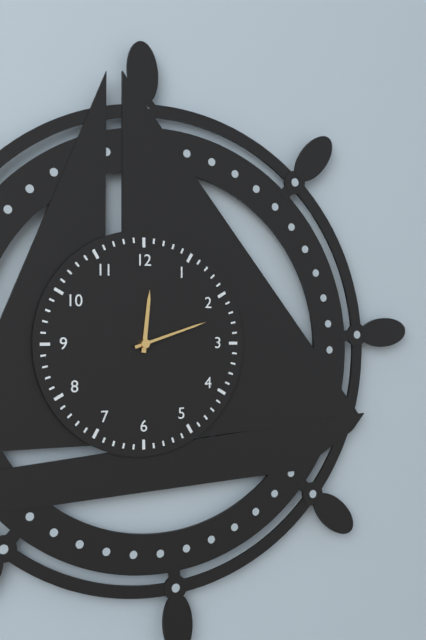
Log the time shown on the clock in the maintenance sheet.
12:12
